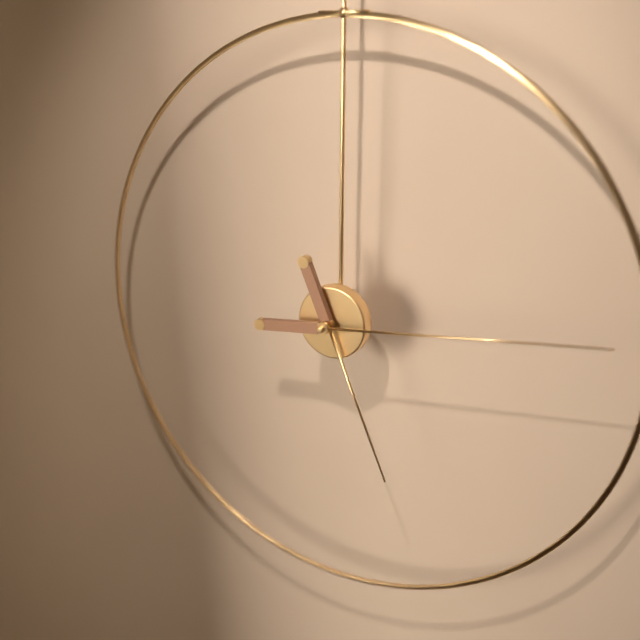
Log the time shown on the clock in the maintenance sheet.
5:14
